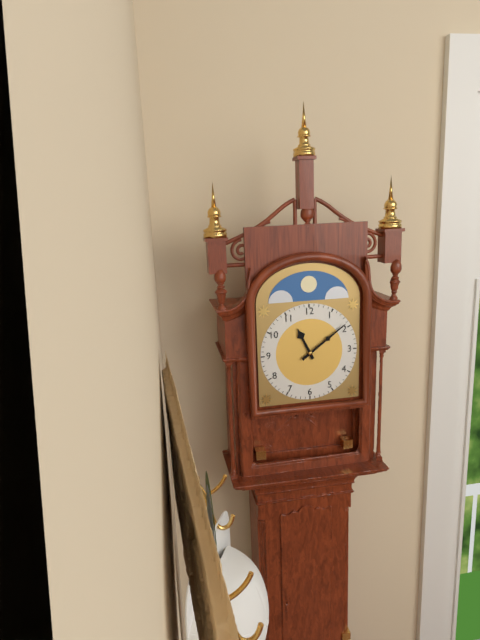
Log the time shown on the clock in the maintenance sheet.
11:09
